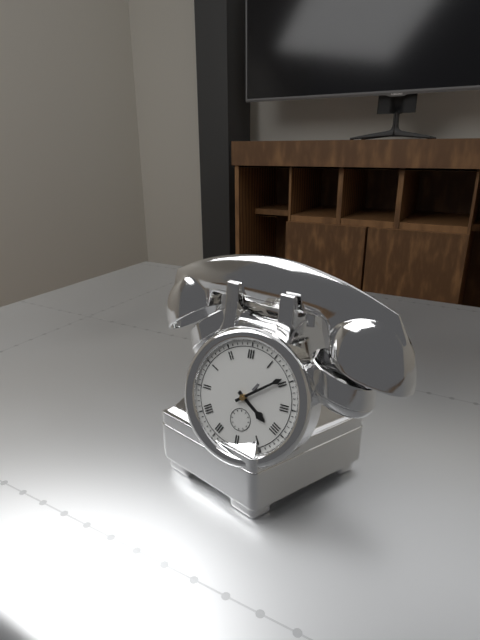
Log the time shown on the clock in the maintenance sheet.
4:09
